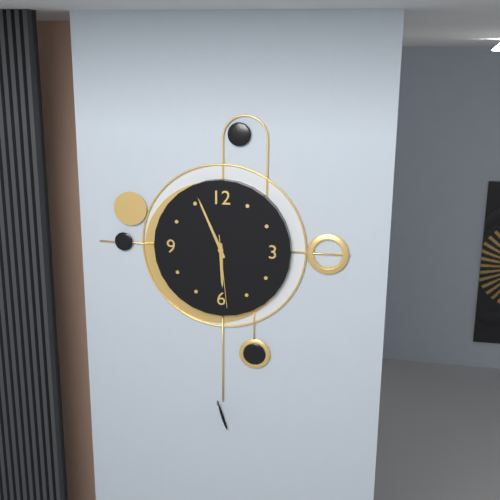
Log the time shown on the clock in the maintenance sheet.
5:56:29
